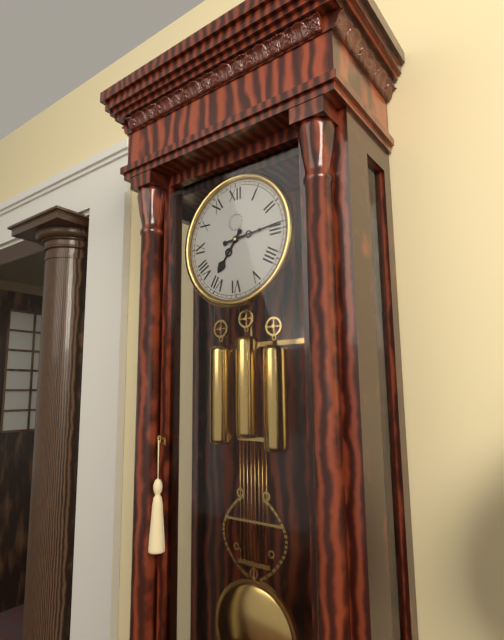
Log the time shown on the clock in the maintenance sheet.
7:14
